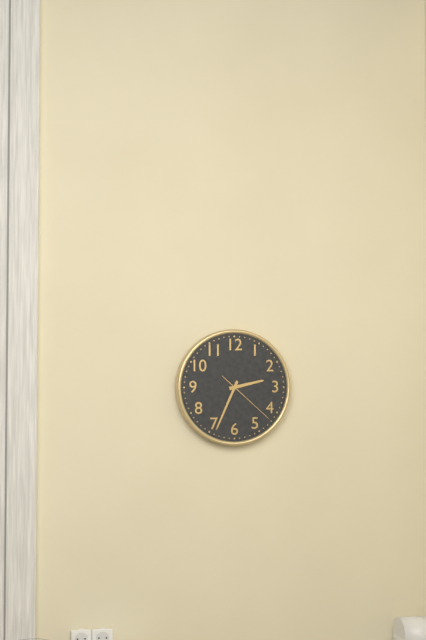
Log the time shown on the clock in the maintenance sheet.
2:34:22
